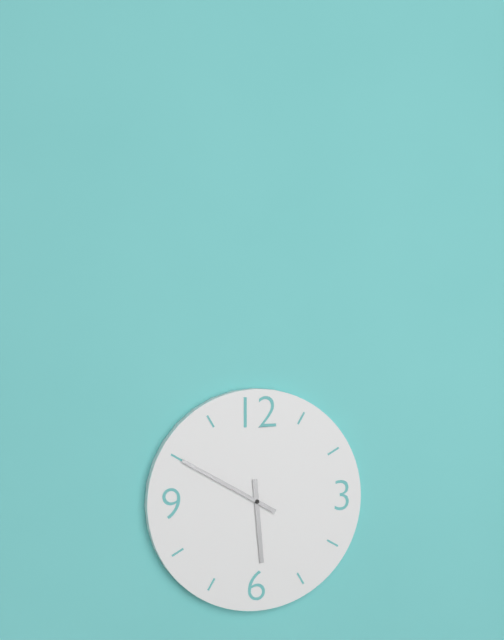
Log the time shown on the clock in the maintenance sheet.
5:50
